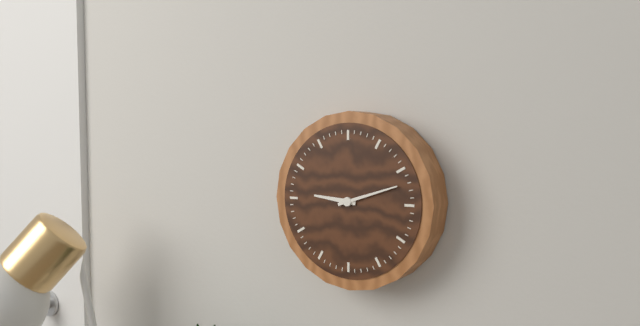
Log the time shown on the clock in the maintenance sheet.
9:12
